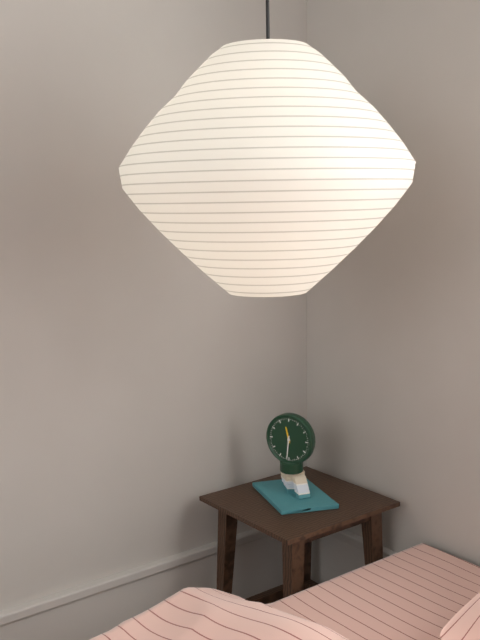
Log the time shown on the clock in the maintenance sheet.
11:31
